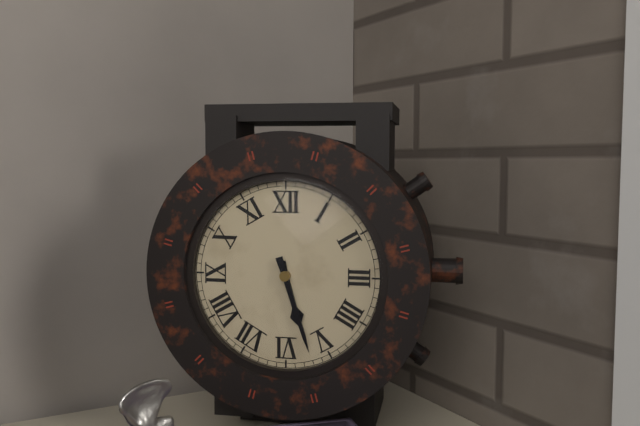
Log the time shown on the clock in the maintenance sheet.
5:27
